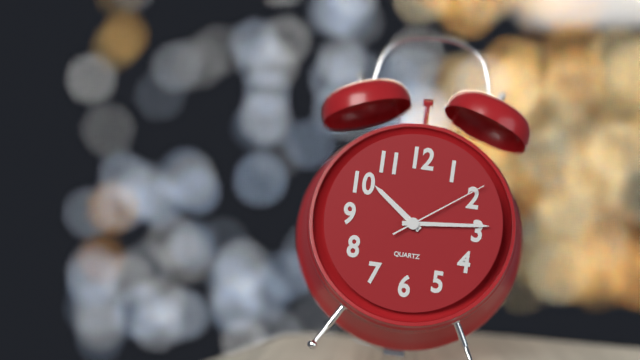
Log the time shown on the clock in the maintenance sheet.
10:14:09
